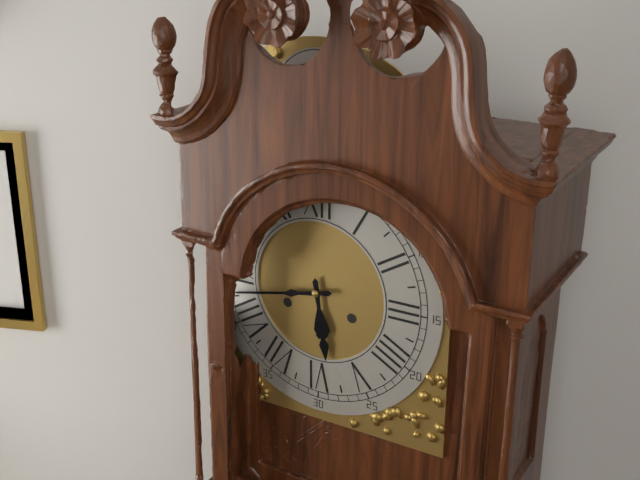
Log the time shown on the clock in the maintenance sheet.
5:43
